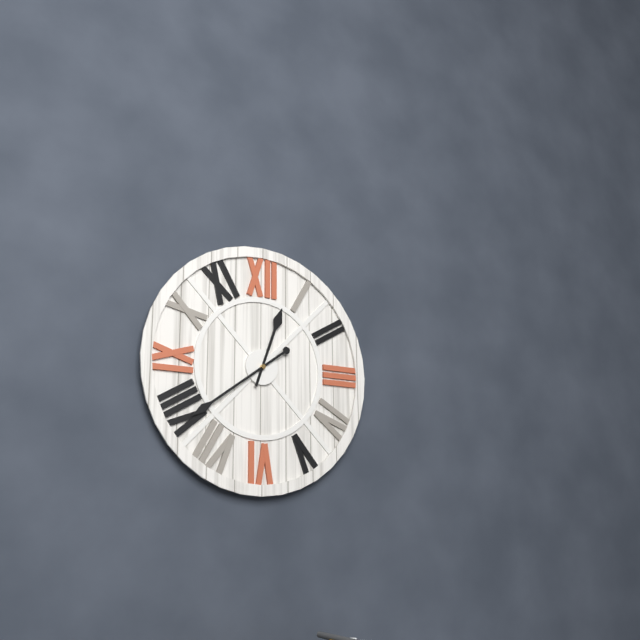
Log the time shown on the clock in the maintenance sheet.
12:39
